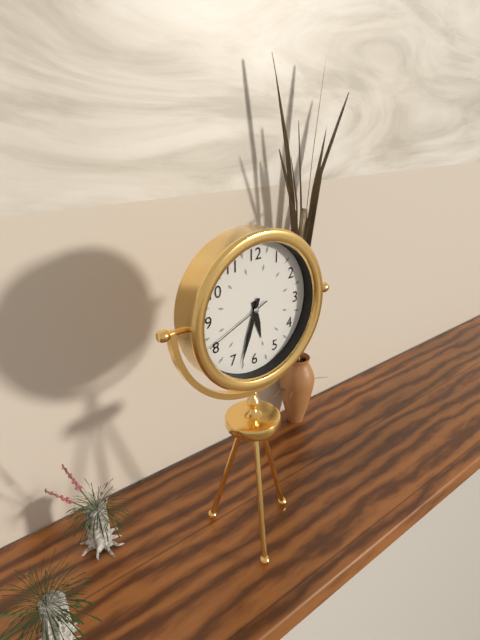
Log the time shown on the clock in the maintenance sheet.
5:33:41
